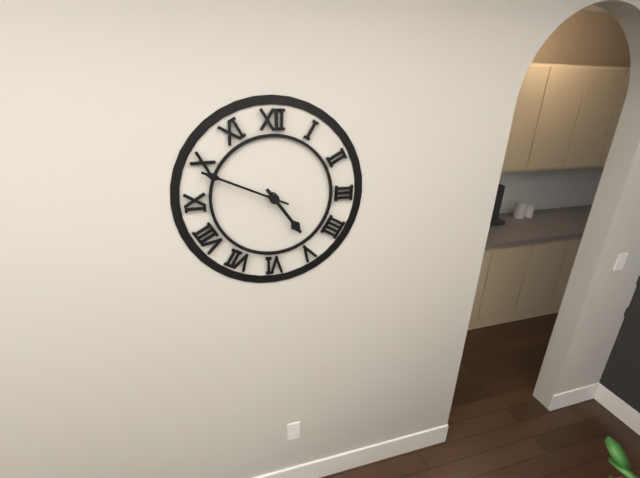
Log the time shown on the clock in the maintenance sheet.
4:49
